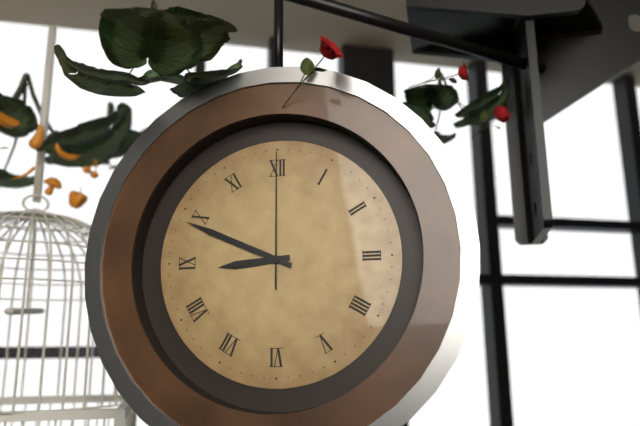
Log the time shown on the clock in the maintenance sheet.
8:49:00
